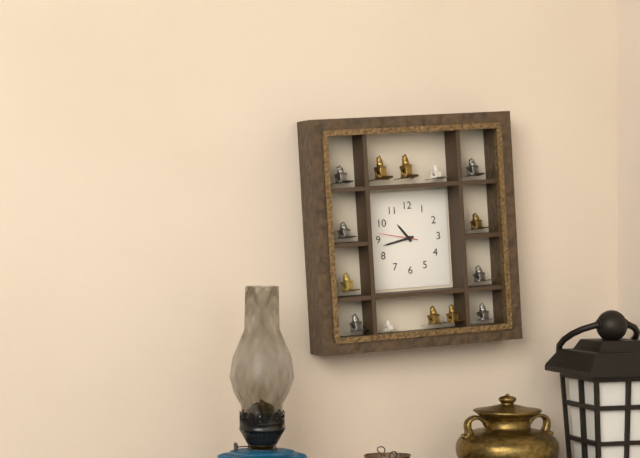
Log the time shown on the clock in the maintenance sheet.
10:43
